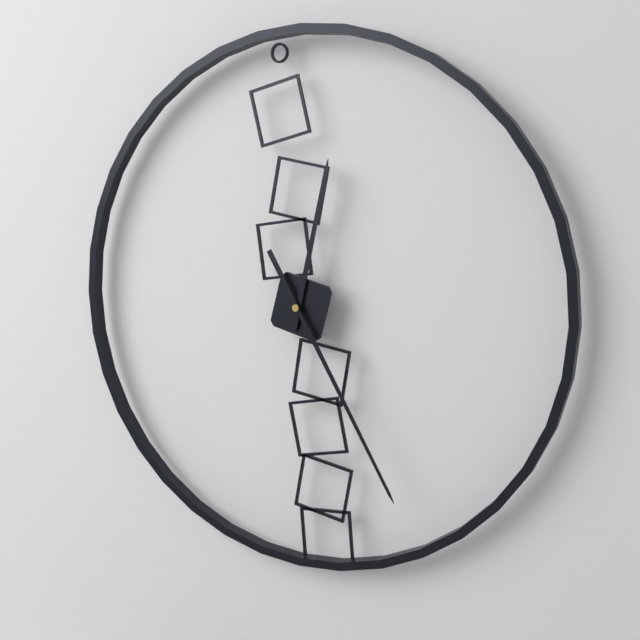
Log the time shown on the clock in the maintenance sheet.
12:25
